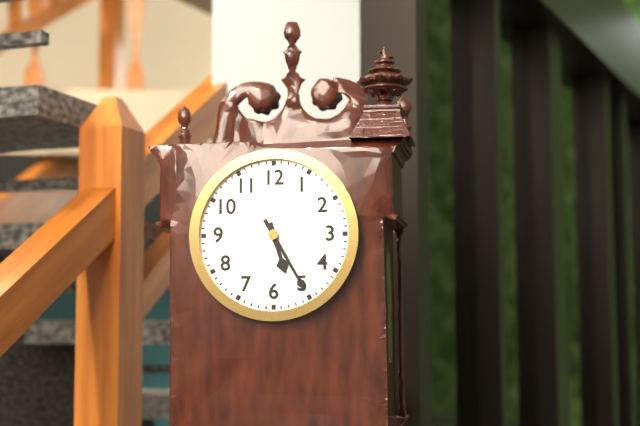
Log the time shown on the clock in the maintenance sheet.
5:25
